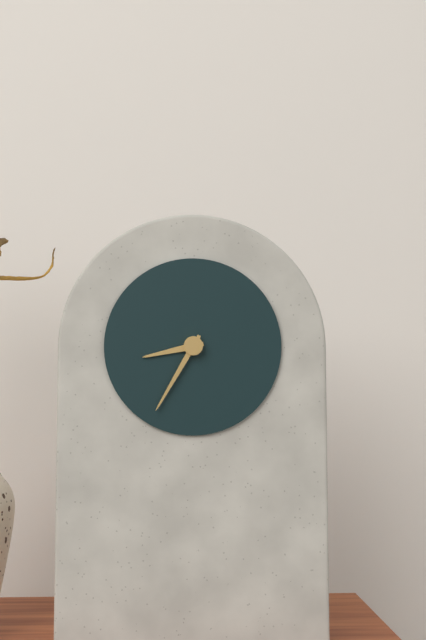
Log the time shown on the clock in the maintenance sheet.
8:35
